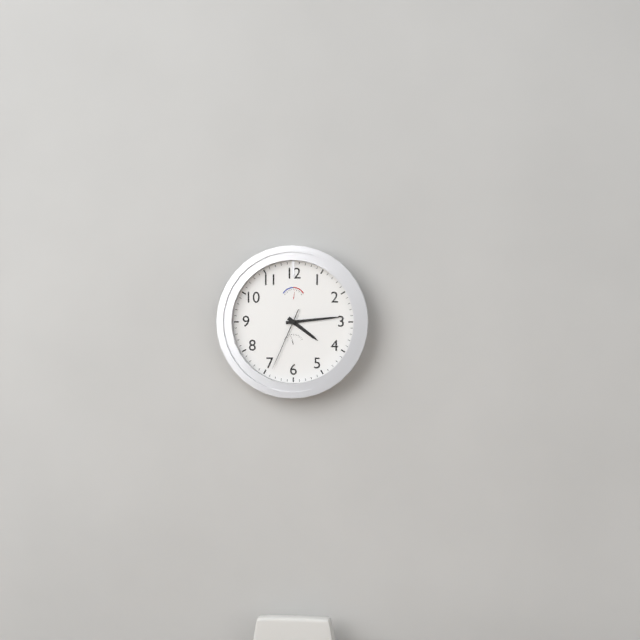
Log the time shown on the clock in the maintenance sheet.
4:14:34
